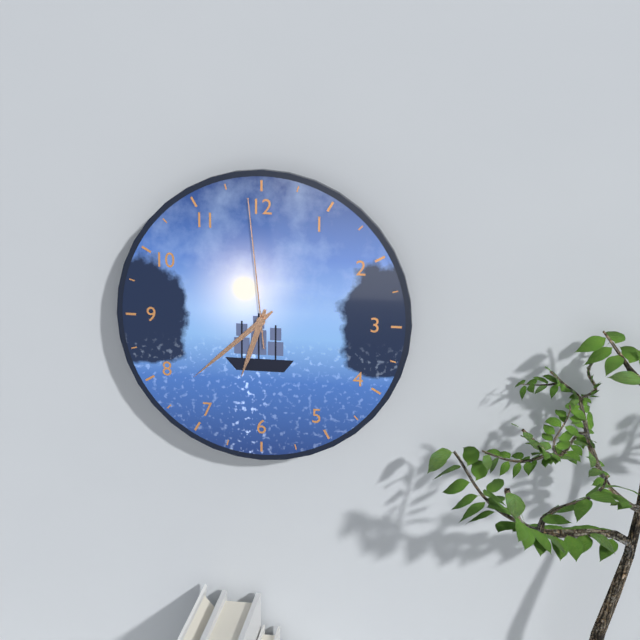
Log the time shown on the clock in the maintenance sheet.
6:38:59
